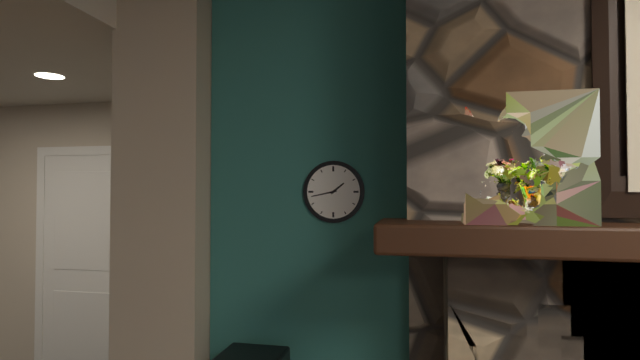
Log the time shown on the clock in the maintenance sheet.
1:43
